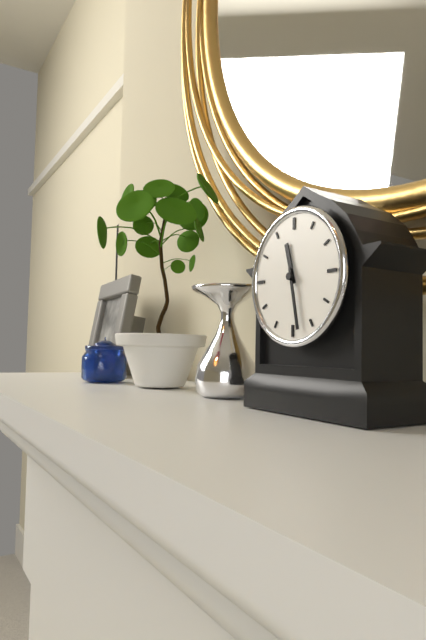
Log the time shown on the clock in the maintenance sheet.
11:28
